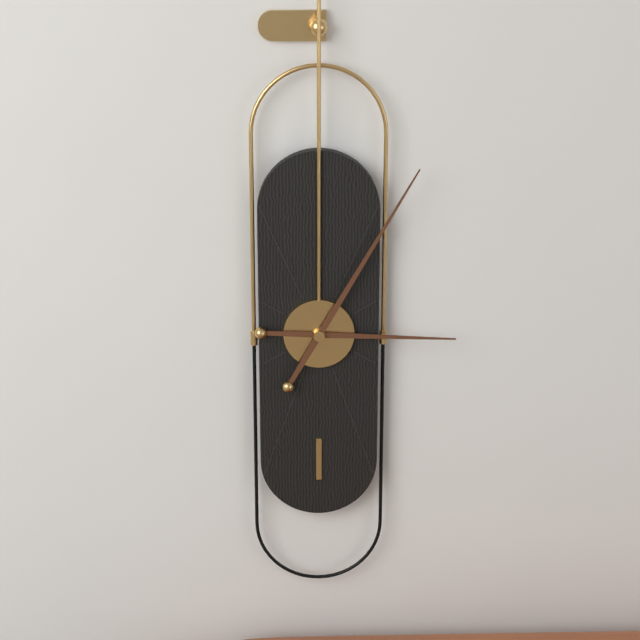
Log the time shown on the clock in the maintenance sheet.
3:05
